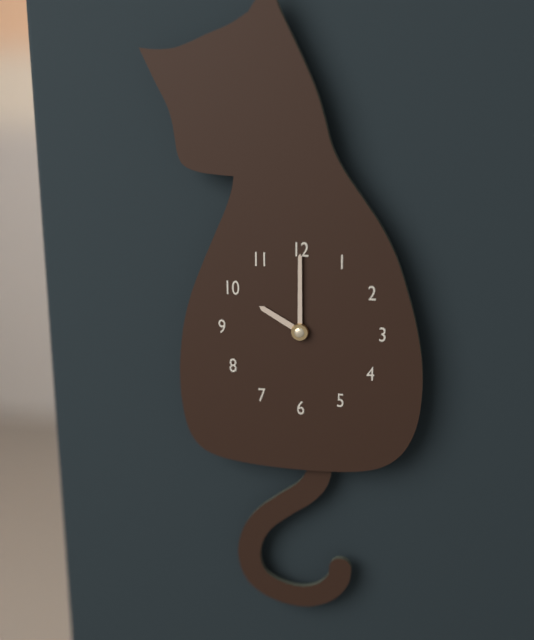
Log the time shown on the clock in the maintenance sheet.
10:00
